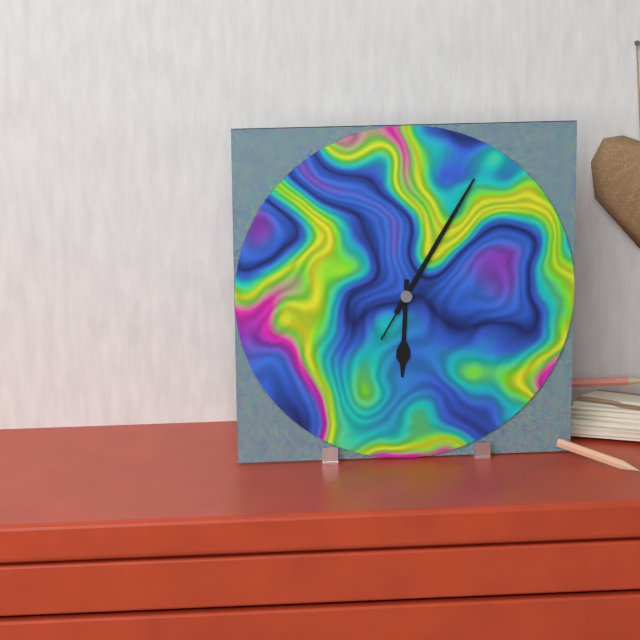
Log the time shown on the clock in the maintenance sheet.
6:05:05
